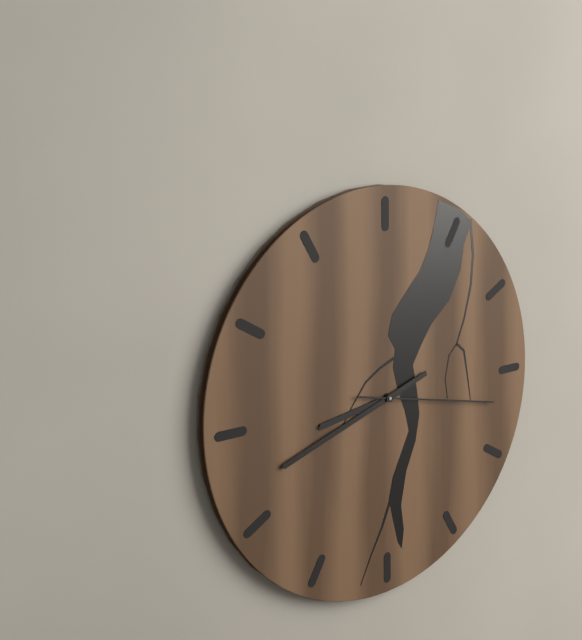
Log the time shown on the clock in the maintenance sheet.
8:42:17
